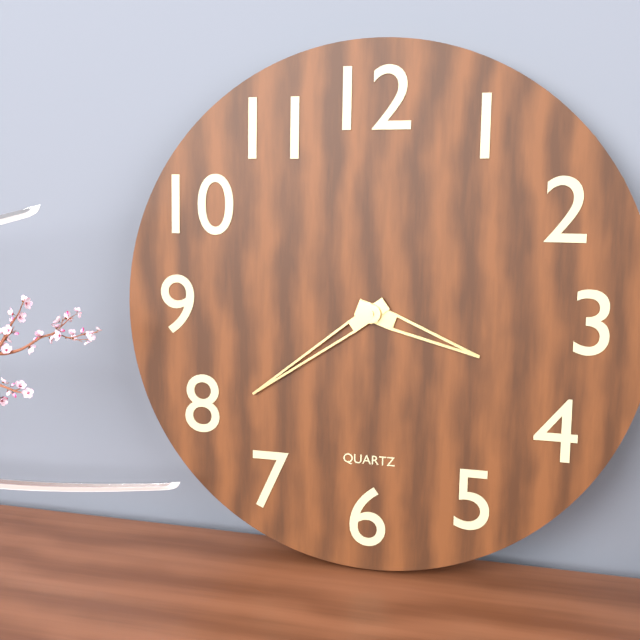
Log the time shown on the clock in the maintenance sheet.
3:39
